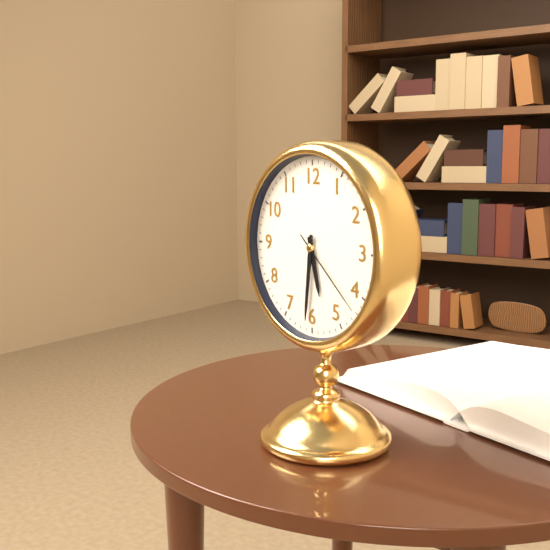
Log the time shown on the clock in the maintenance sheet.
5:31:22
